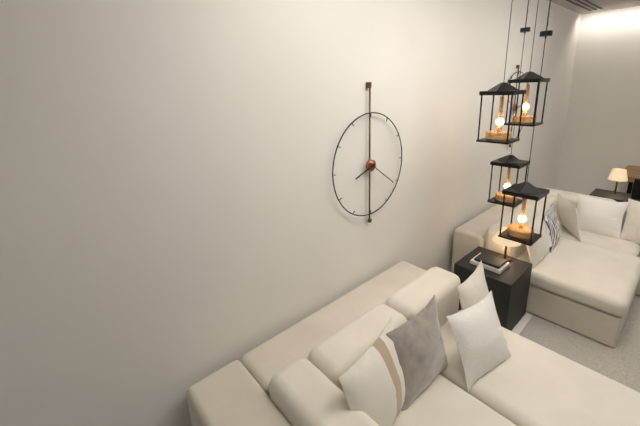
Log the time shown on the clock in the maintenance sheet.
8:21
